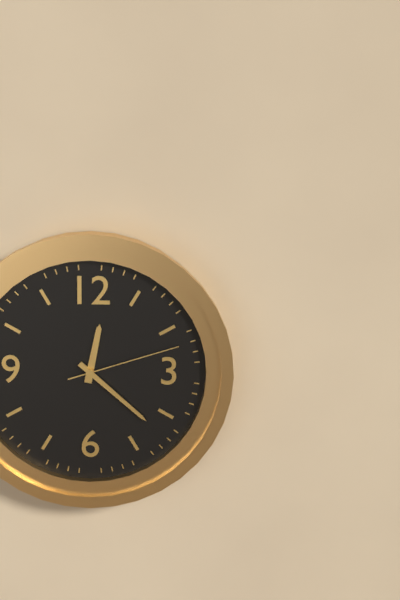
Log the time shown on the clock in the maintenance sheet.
12:22:12
